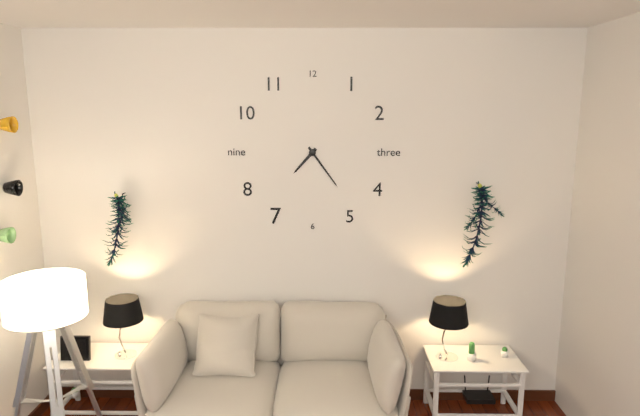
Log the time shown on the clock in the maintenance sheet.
7:24
